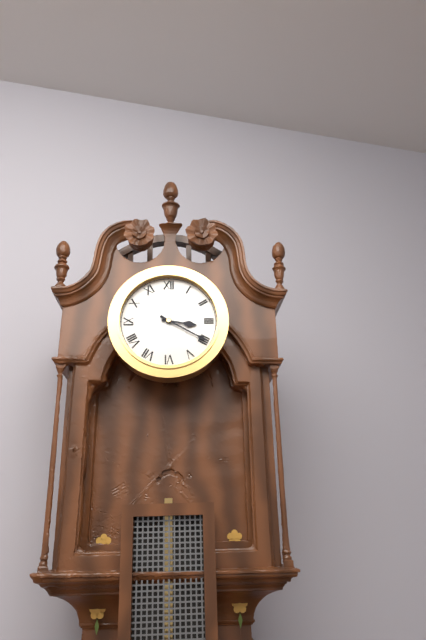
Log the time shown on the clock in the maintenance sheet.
3:20
